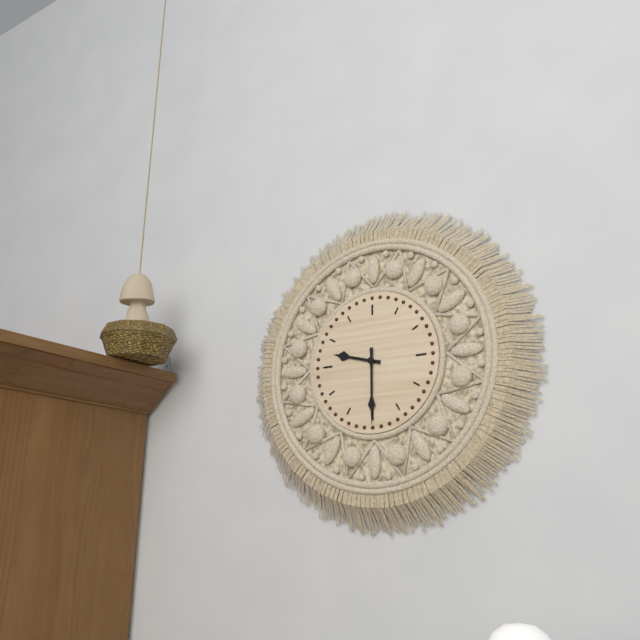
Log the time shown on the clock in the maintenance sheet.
9:30
